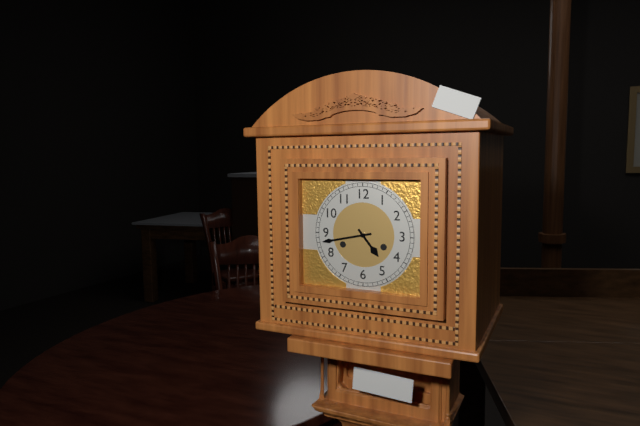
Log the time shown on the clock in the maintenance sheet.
4:43
